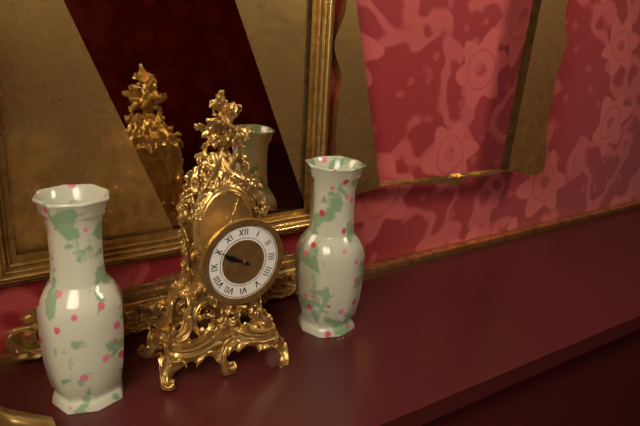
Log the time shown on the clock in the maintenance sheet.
9:50
